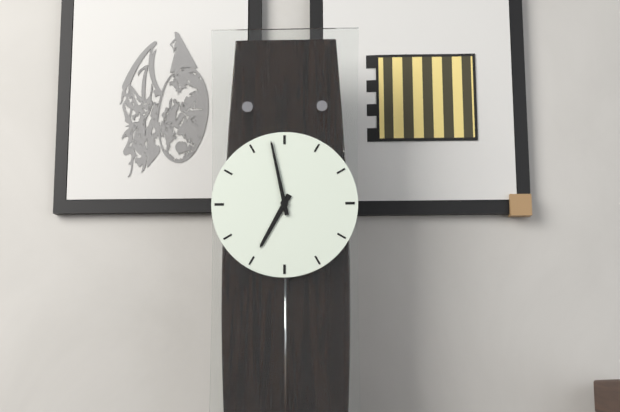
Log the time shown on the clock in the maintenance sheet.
6:58
